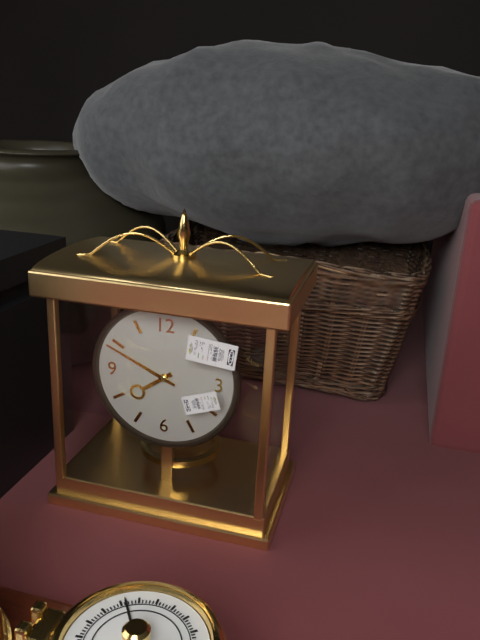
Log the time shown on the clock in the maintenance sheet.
7:49
